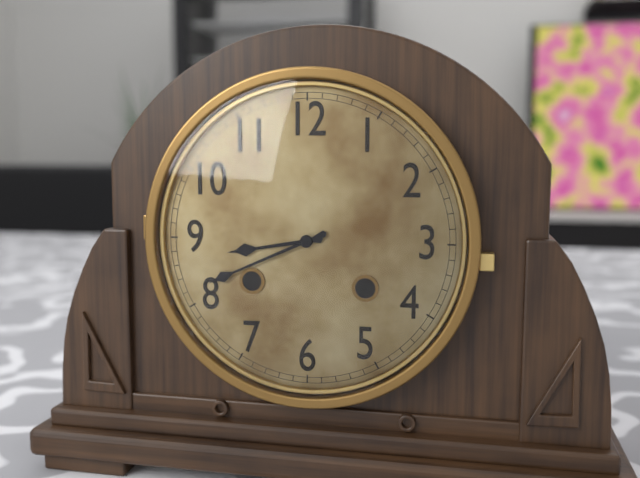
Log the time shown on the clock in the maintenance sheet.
8:41
